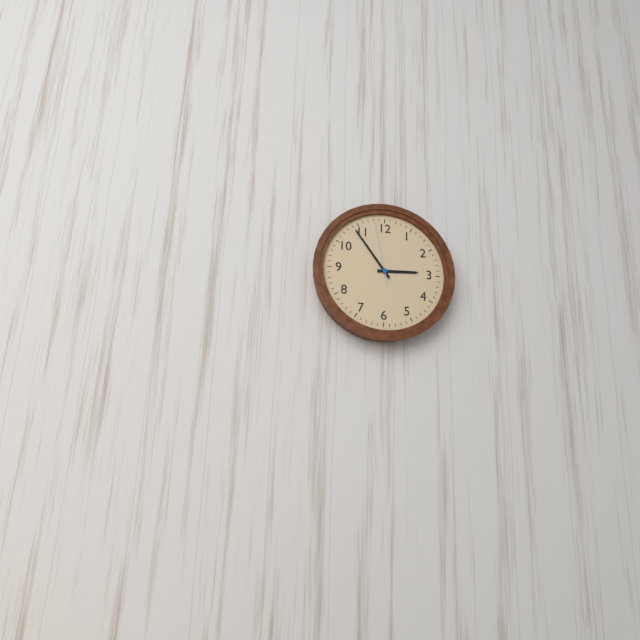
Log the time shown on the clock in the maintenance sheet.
2:54:58
